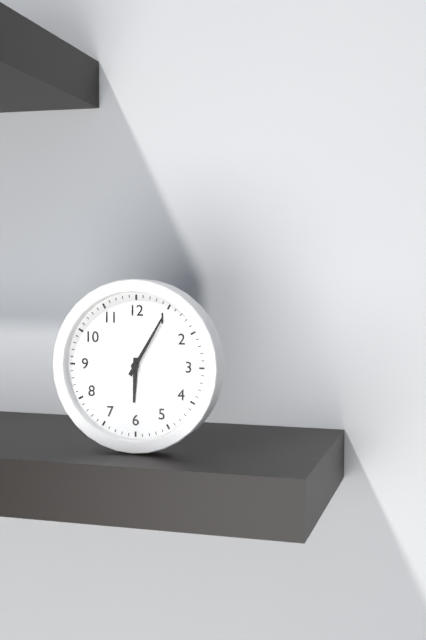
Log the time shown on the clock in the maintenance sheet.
6:05
